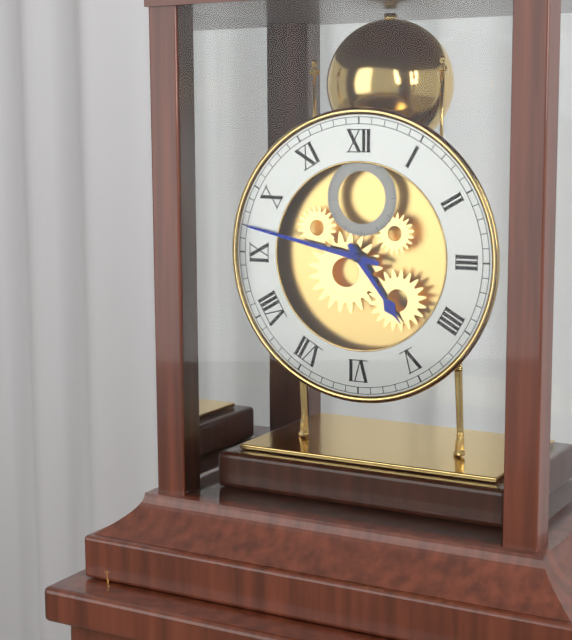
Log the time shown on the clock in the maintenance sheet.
4:47
